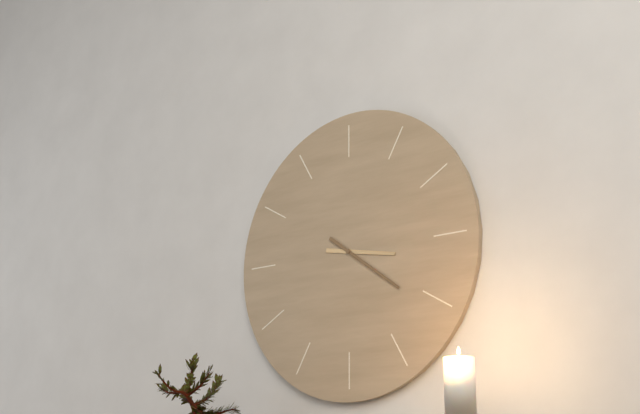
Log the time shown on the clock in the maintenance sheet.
3:21
